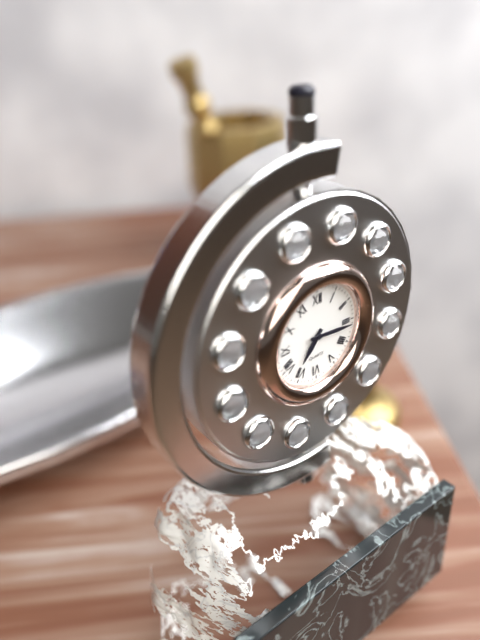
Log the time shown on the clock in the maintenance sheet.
7:16
